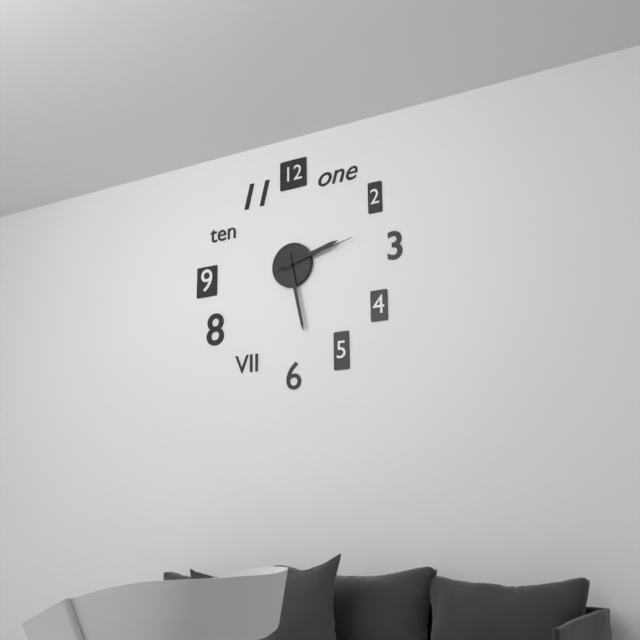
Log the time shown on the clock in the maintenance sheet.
2:28:13
